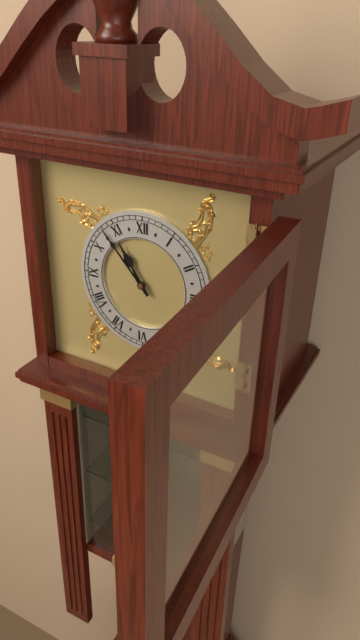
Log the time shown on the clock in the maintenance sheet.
10:53
